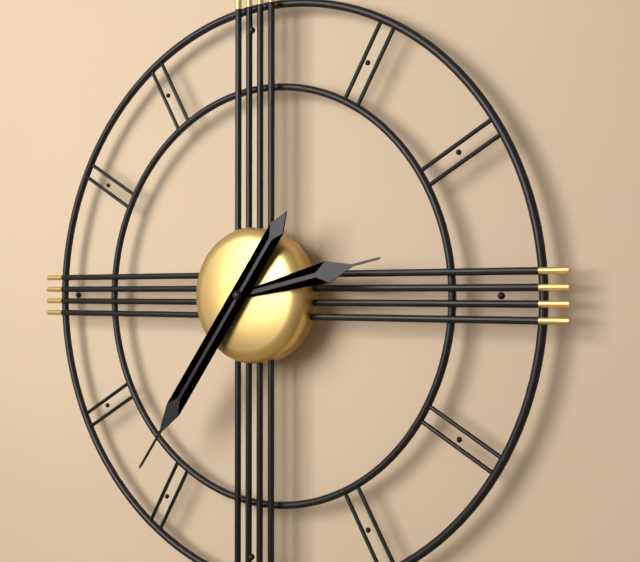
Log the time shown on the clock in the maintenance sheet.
2:36
